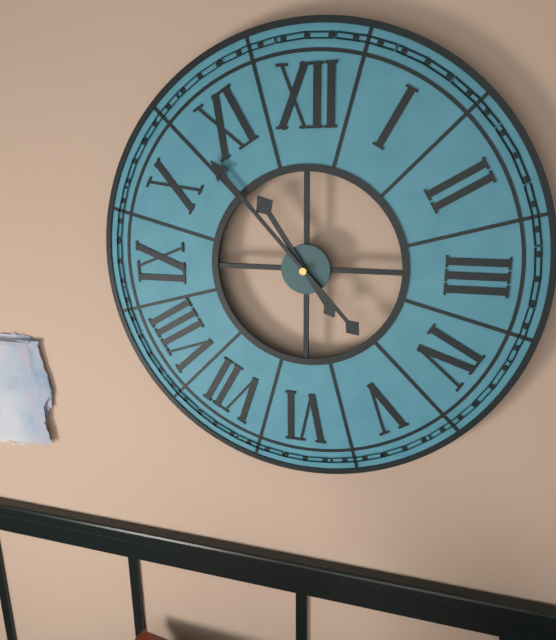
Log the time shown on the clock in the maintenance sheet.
10:53
